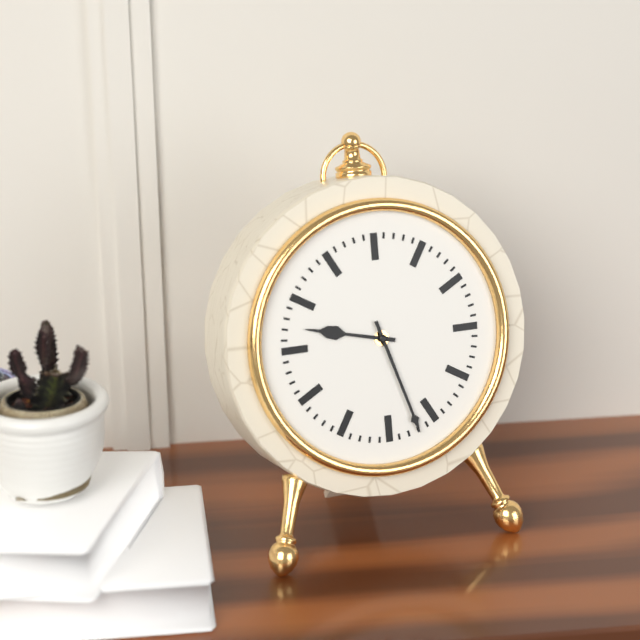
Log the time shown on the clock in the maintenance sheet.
9:27
